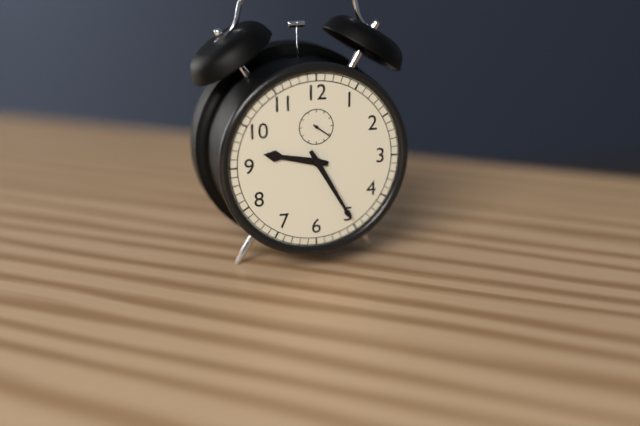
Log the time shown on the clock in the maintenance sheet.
9:25
